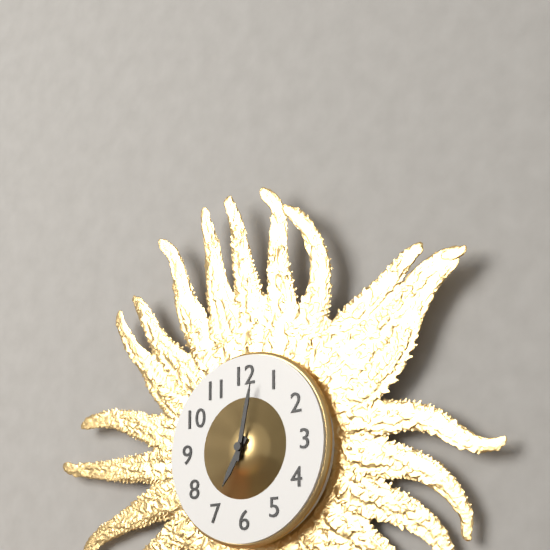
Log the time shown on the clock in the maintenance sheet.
7:02
